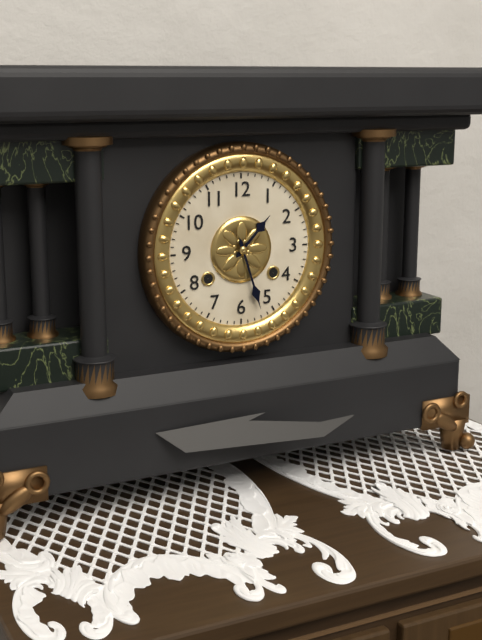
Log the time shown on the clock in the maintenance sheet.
1:27
